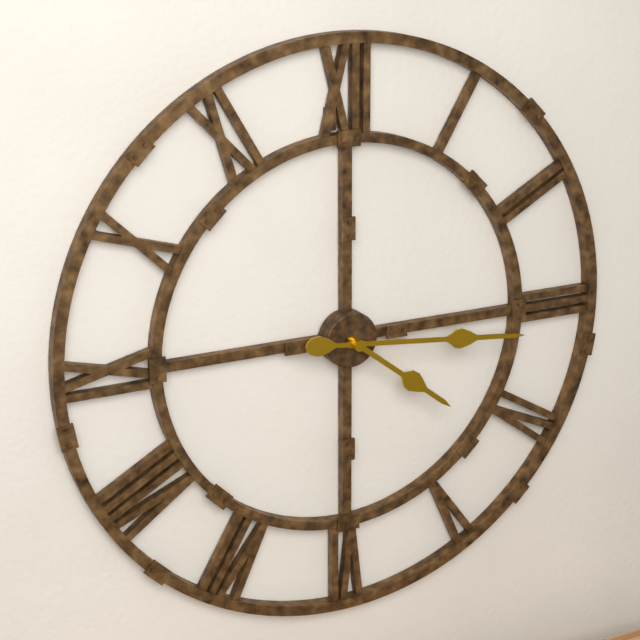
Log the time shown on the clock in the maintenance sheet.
4:16
